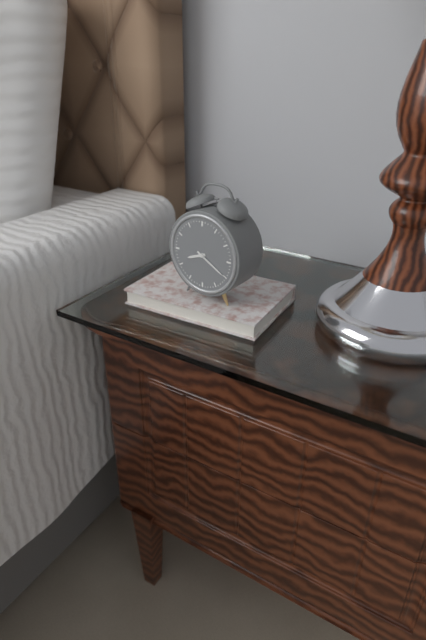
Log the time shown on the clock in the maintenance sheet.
8:20
